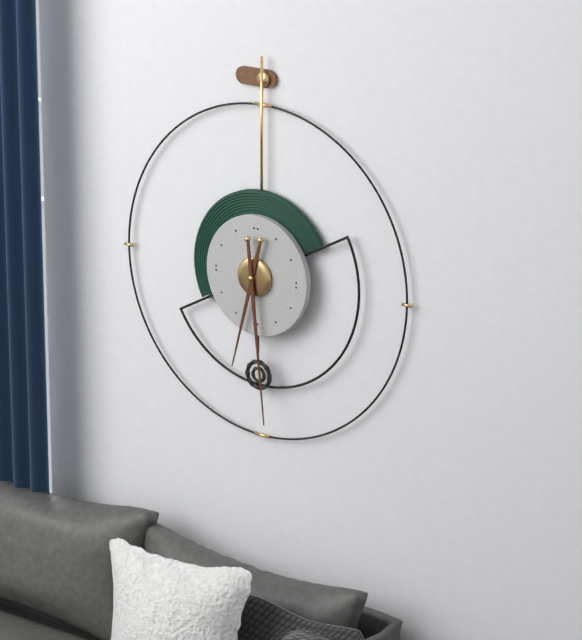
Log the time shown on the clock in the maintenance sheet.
6:29
